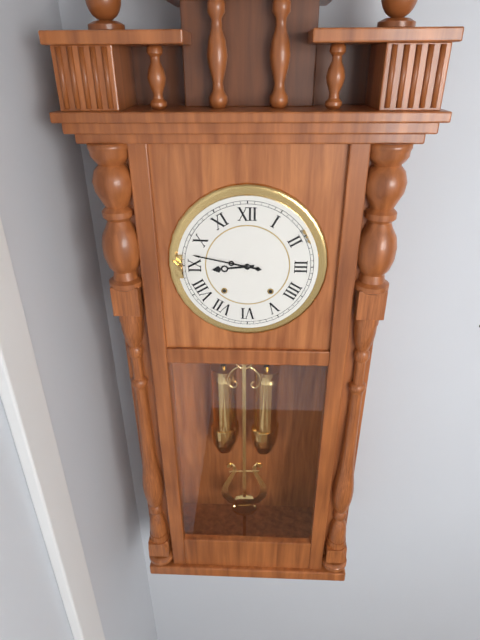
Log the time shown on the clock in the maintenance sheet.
8:47
